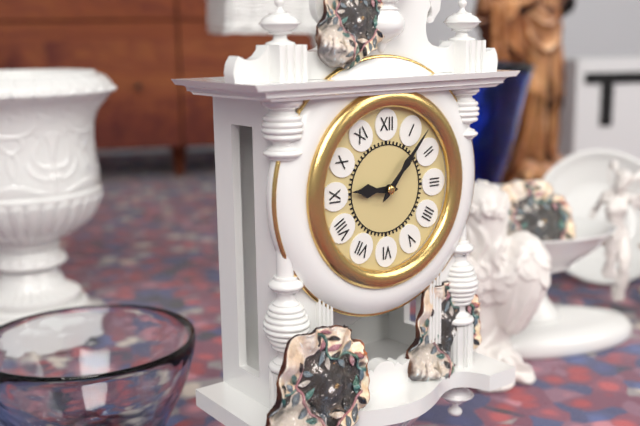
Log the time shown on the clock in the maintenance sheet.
9:07
